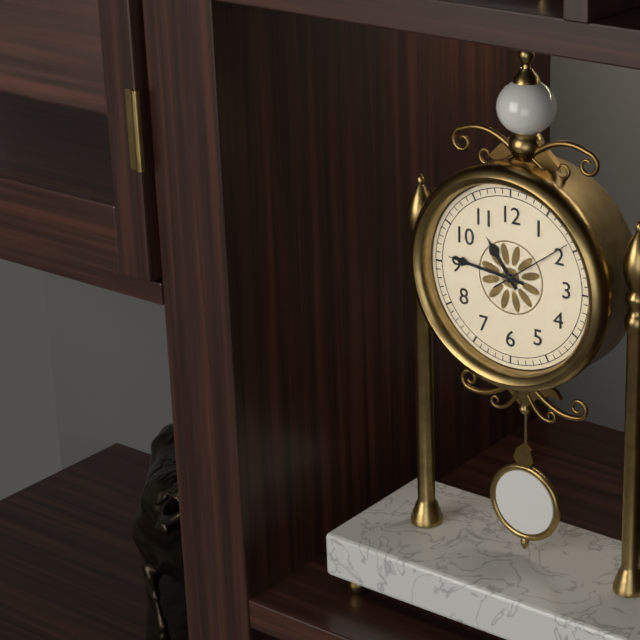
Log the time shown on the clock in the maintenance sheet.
10:46:09
